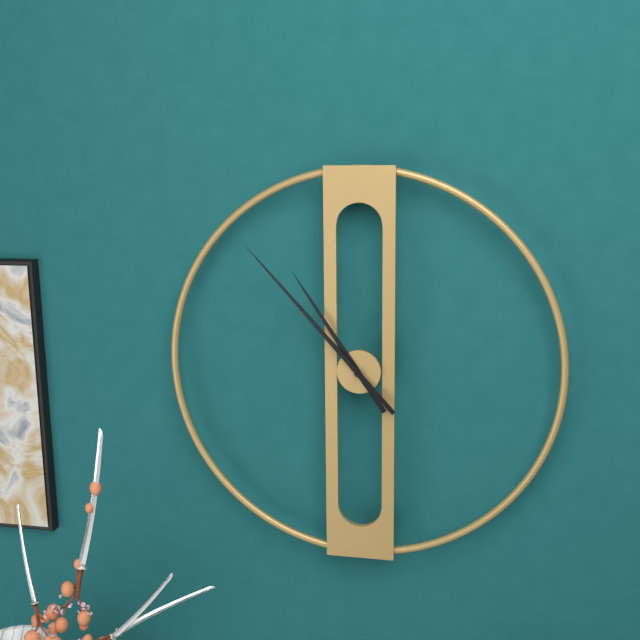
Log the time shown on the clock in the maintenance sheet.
10:53
